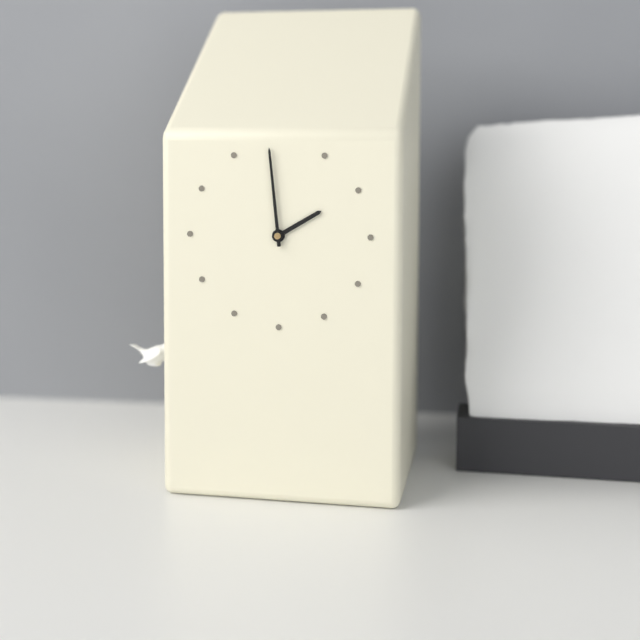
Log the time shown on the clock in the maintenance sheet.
1:59
